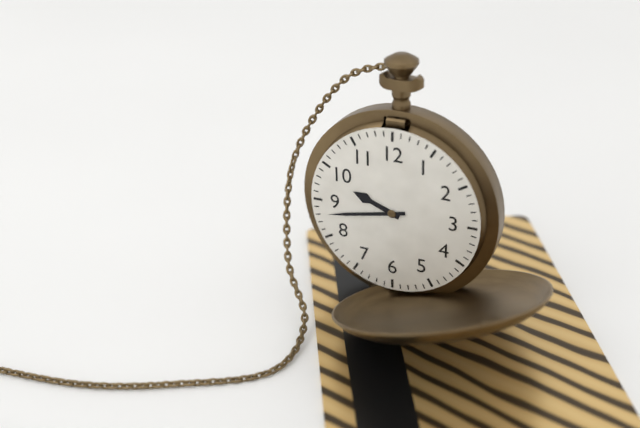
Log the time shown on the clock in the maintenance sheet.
9:43
